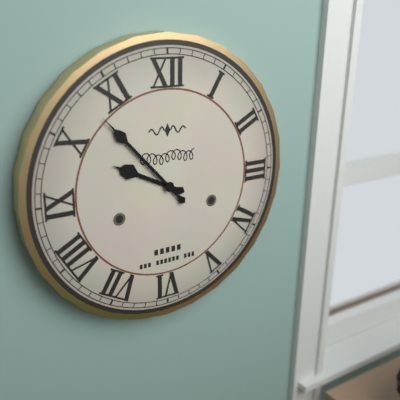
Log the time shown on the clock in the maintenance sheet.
9:53
